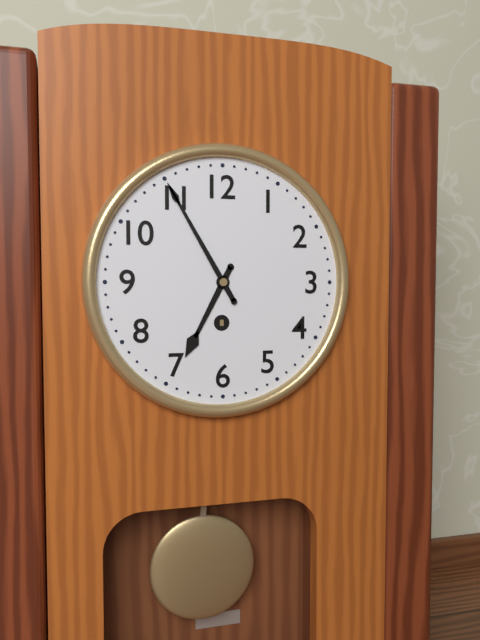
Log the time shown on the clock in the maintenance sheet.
6:55
